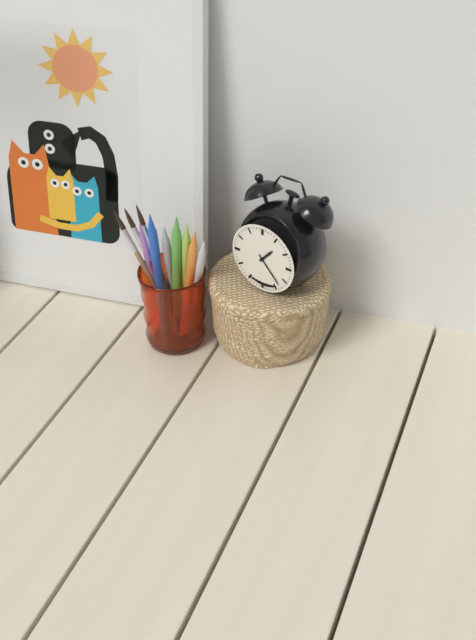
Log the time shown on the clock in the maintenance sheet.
1:23
